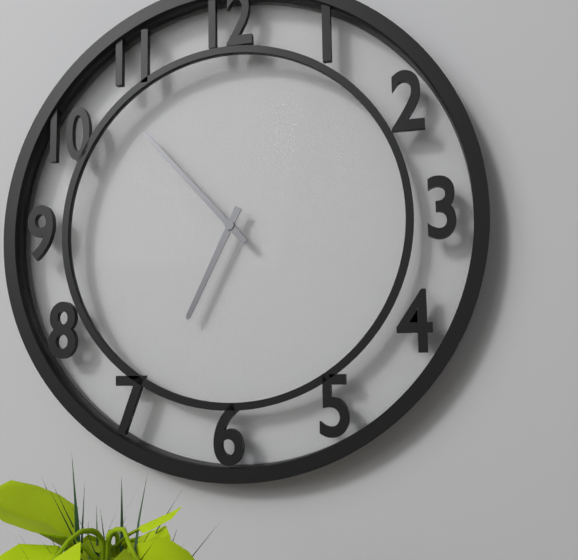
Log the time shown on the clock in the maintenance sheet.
6:53
